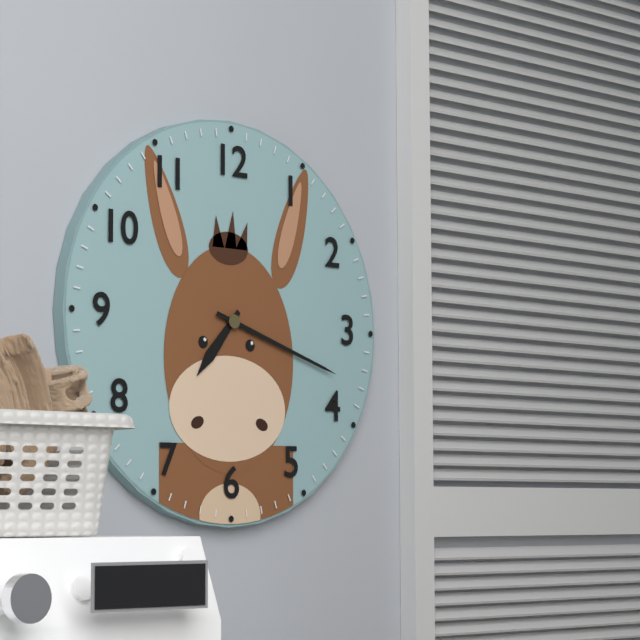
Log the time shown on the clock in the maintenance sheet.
7:18
